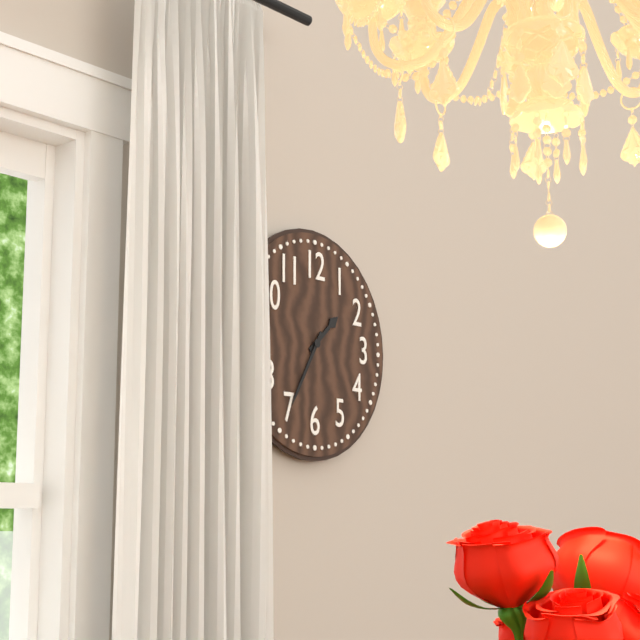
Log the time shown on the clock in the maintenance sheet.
1:35
